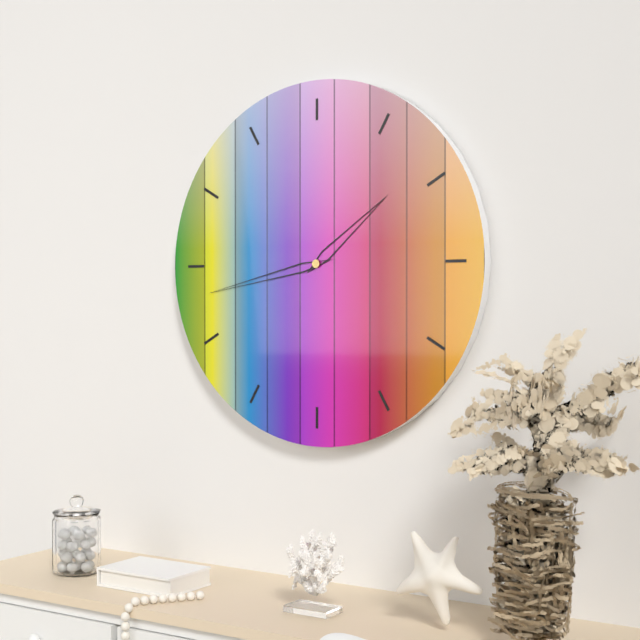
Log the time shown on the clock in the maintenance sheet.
1:43
